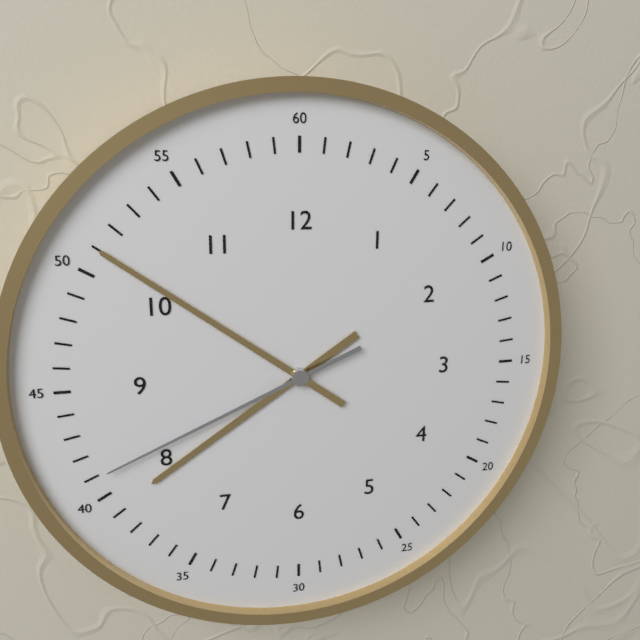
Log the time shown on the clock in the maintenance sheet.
7:51:41
